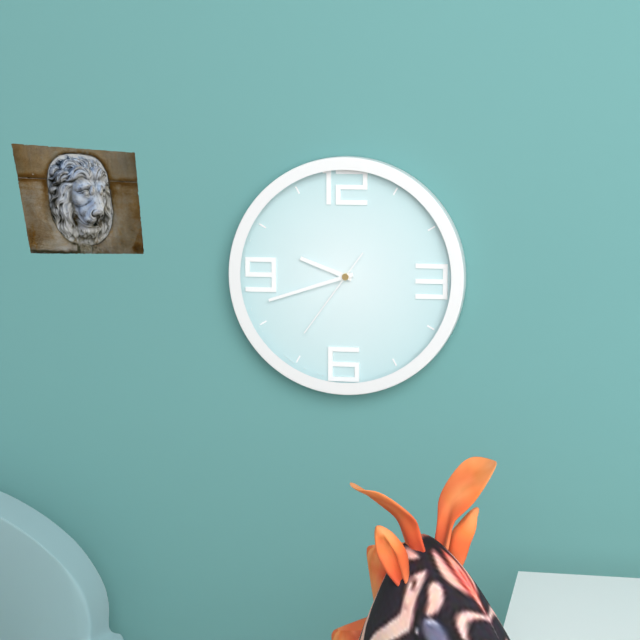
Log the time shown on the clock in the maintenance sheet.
9:42:36
